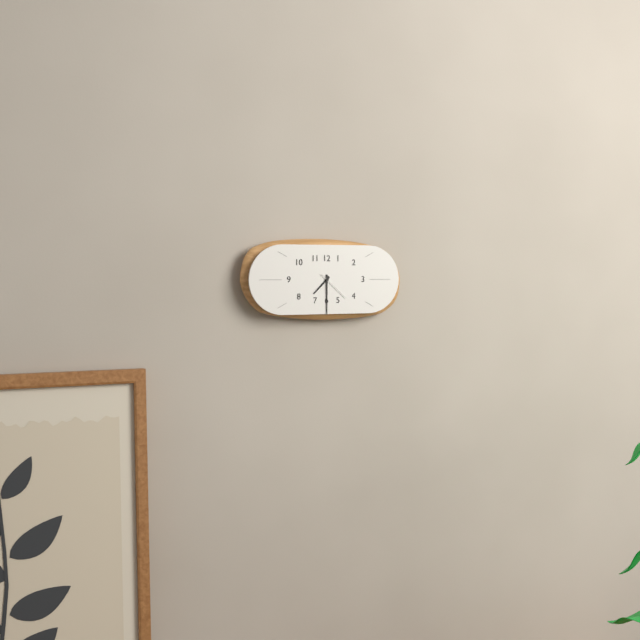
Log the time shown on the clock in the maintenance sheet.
7:30
